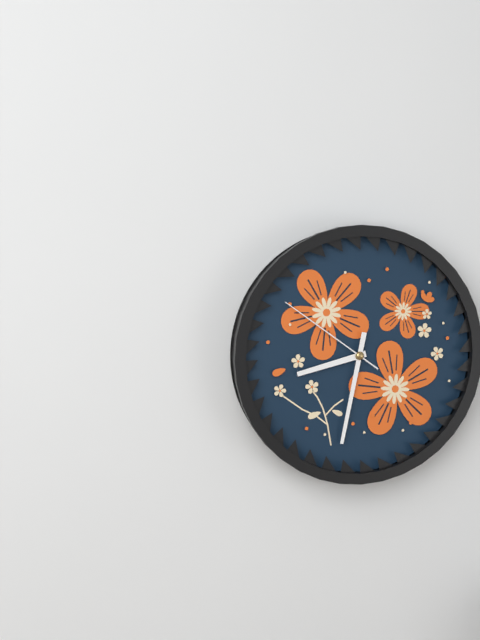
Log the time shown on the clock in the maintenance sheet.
8:32:51
